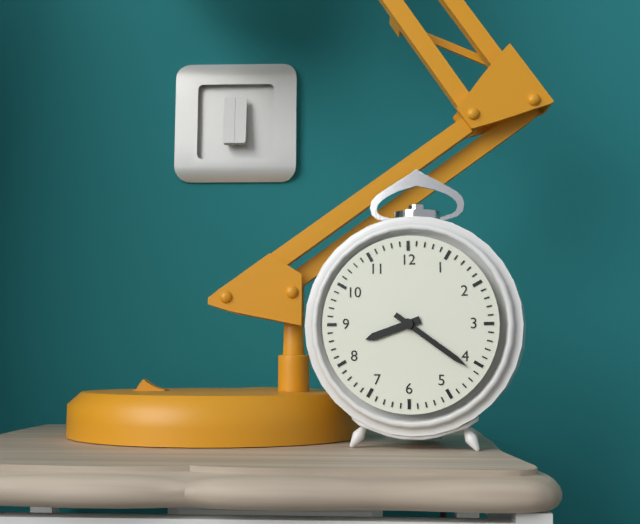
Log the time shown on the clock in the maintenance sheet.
8:21
